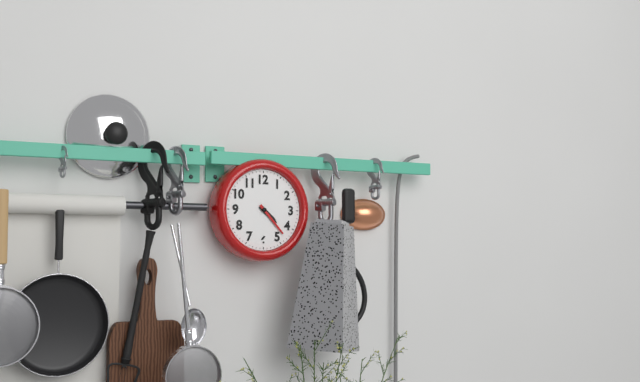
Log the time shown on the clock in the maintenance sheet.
4:23
